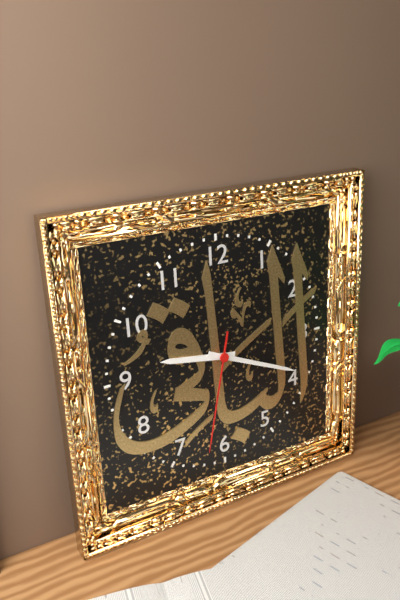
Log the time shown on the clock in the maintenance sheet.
9:19:32
